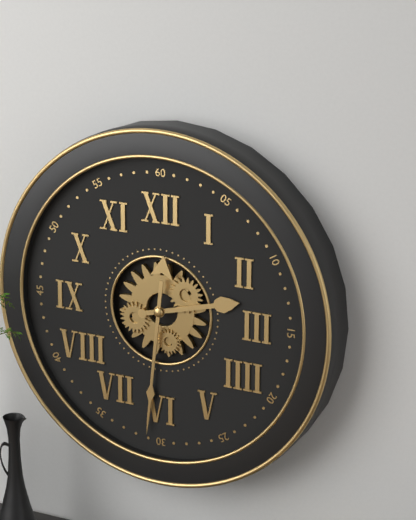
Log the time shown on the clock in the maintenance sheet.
2:31
